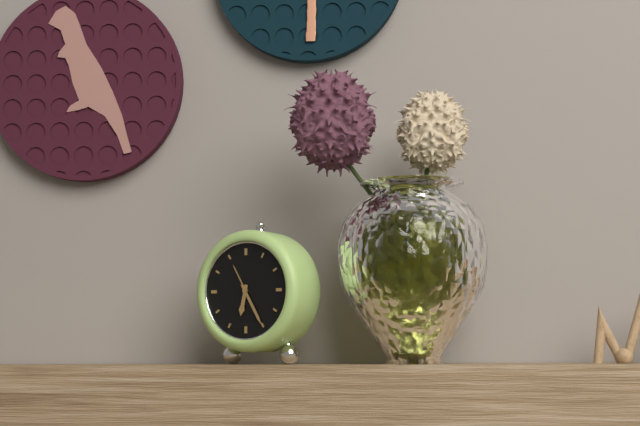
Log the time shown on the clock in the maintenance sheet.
6:25
